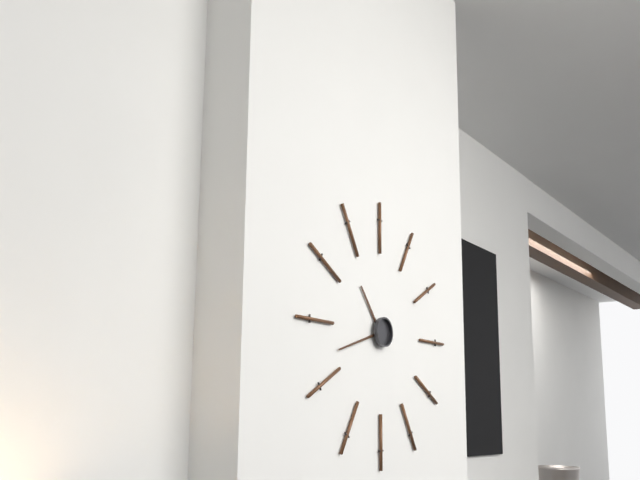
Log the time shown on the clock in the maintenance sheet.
10:42
